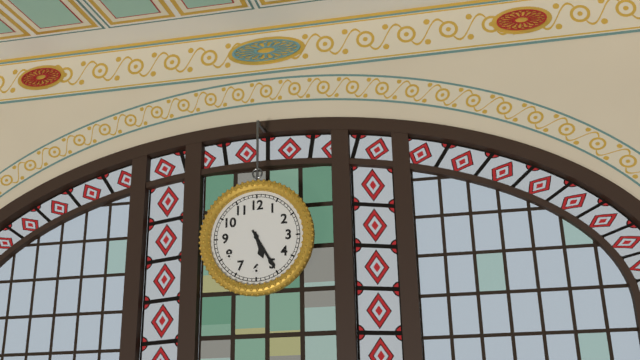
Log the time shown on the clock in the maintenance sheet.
5:25
